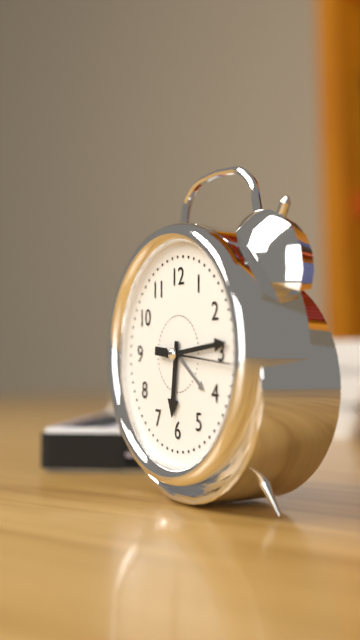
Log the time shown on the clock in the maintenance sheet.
6:14:16
